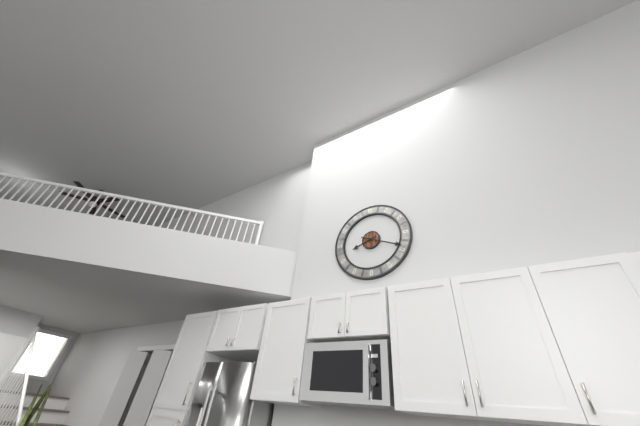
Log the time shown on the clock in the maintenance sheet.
8:19
